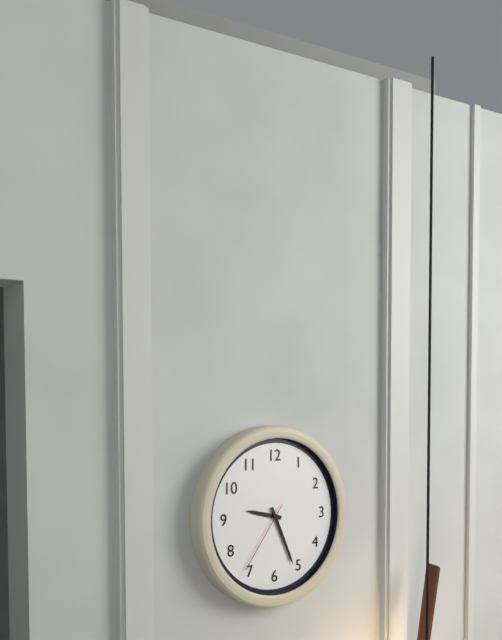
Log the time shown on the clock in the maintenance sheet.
9:26:36
